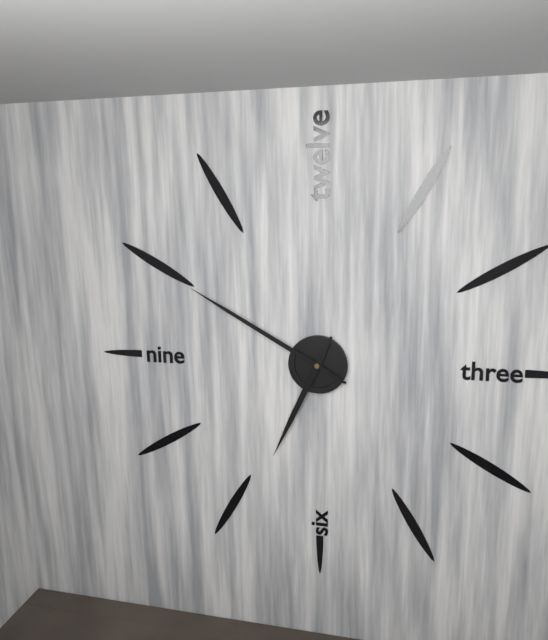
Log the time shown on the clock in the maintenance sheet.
6:50
